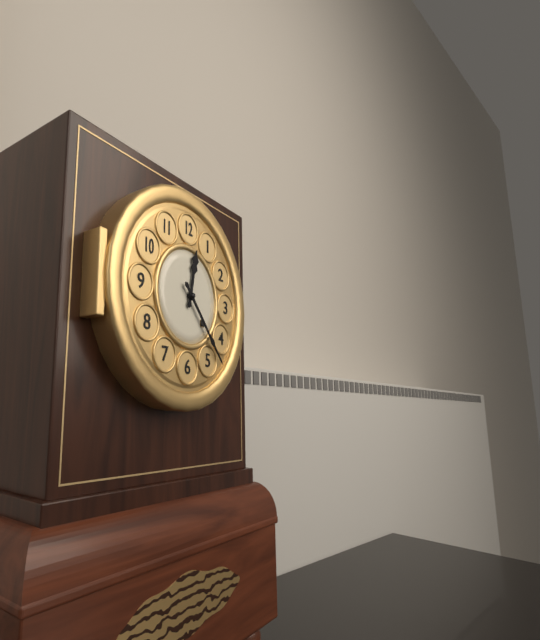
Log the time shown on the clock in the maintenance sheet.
12:23
